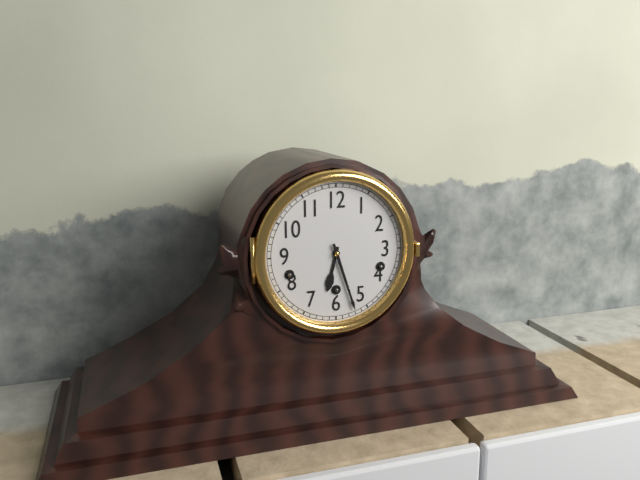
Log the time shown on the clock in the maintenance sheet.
6:27
